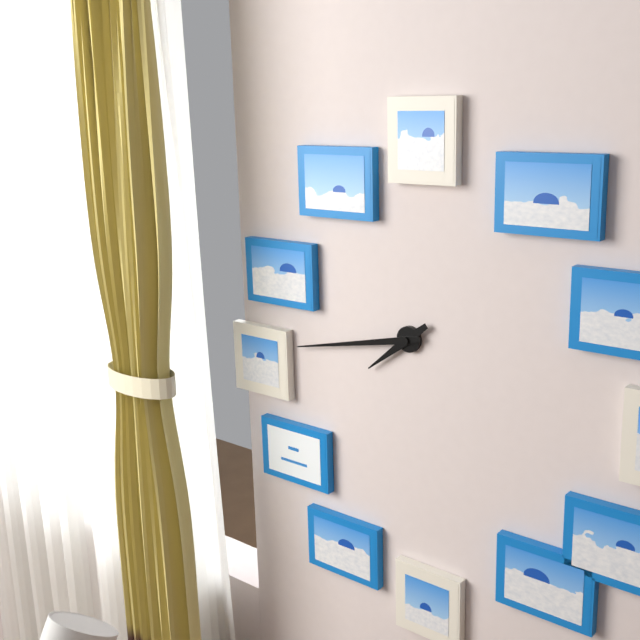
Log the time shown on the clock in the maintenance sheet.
7:43
